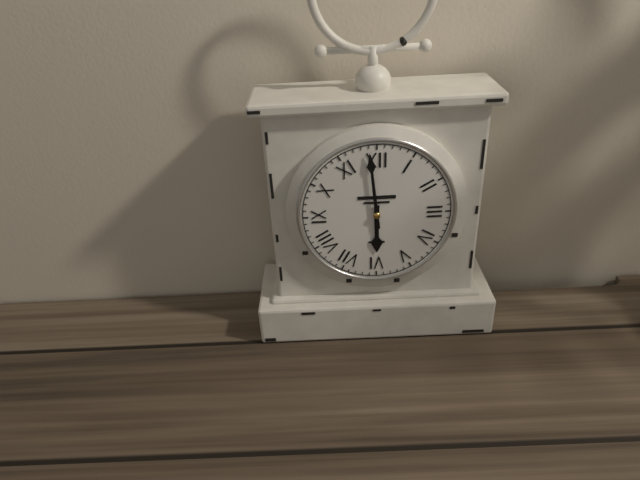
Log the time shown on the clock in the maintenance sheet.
5:59
